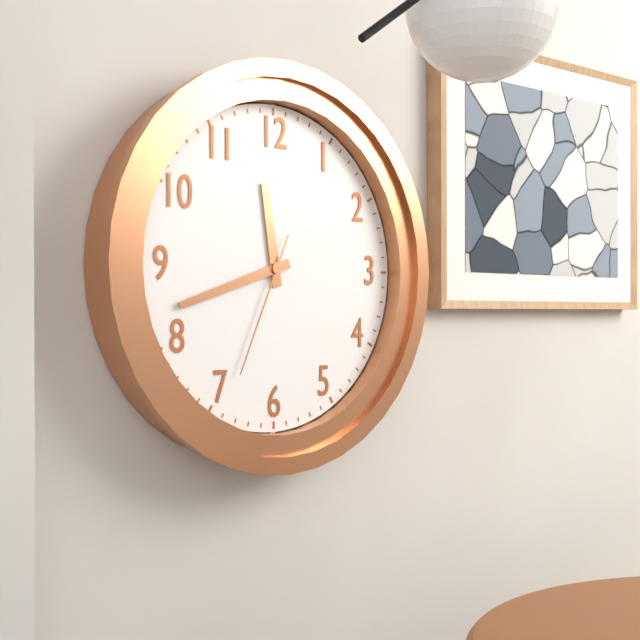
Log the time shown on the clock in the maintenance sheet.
11:42:34
